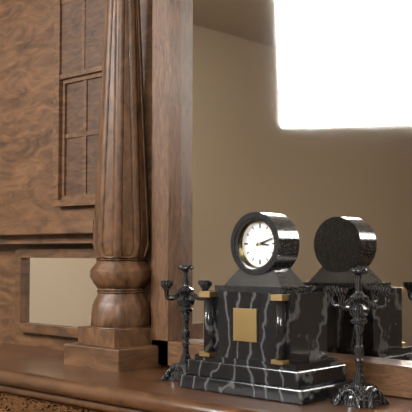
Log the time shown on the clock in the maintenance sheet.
3:12
